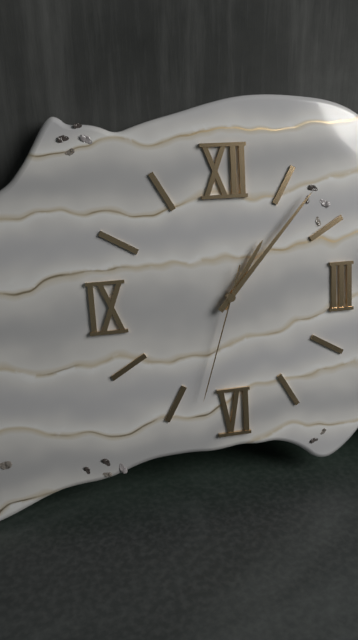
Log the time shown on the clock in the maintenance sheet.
1:07:33
